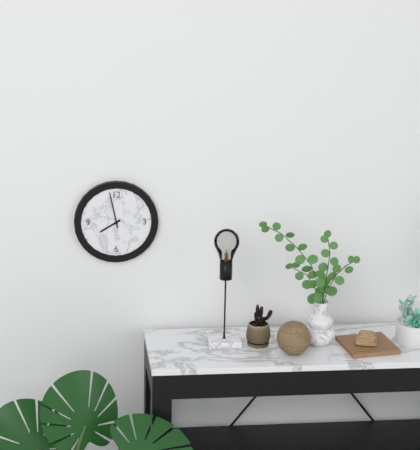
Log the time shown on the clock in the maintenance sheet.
7:58
